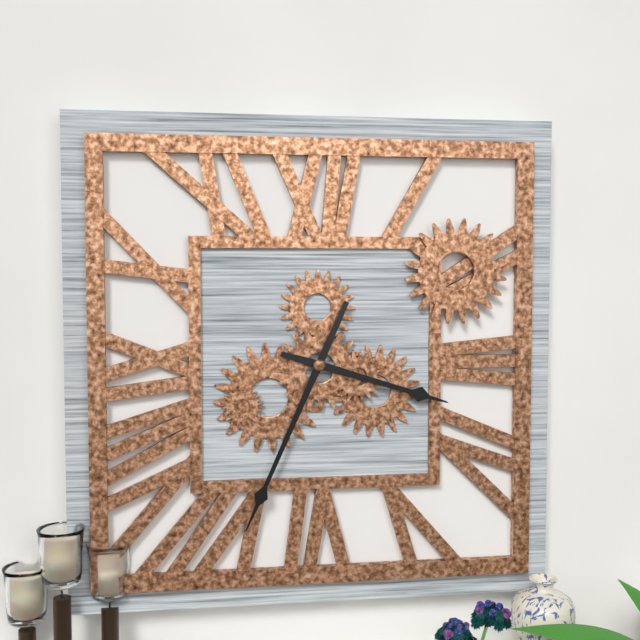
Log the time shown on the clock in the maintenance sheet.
3:34
